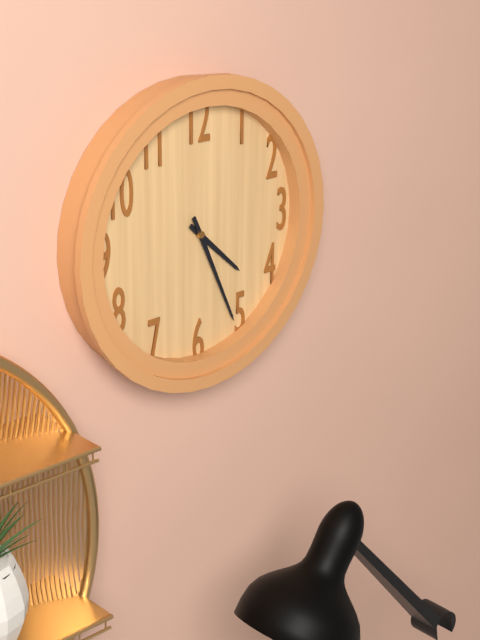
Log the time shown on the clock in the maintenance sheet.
4:26
